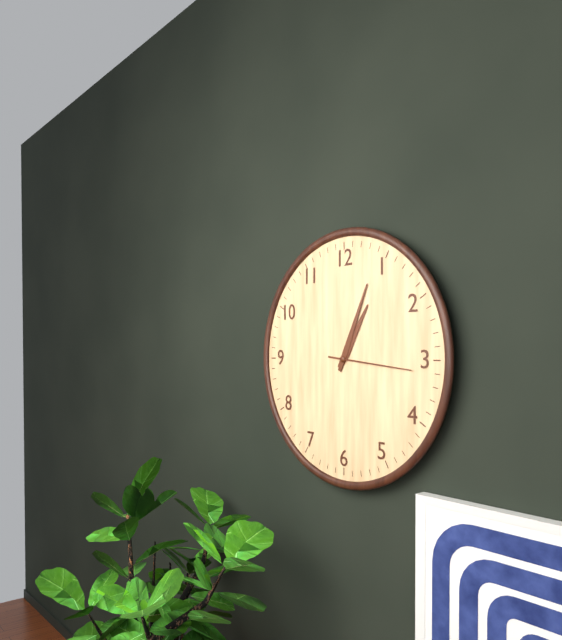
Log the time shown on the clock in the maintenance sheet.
1:04:16
